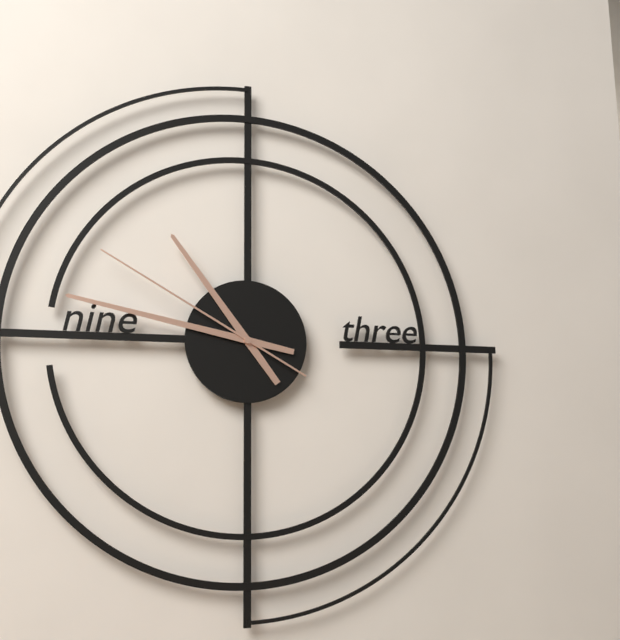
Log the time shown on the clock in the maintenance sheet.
10:47:50
